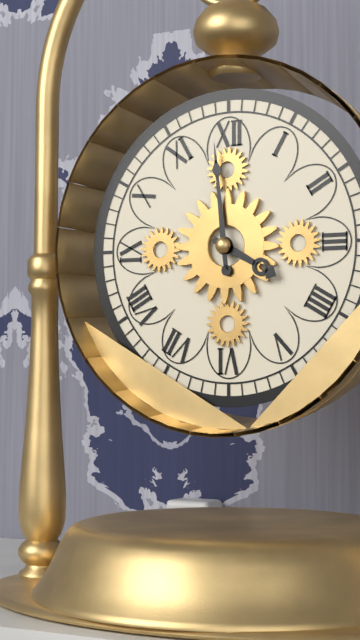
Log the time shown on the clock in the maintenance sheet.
3:59
